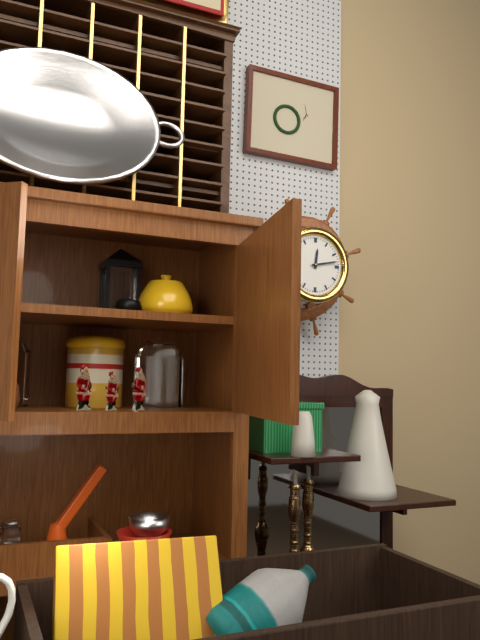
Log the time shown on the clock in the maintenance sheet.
12:13
